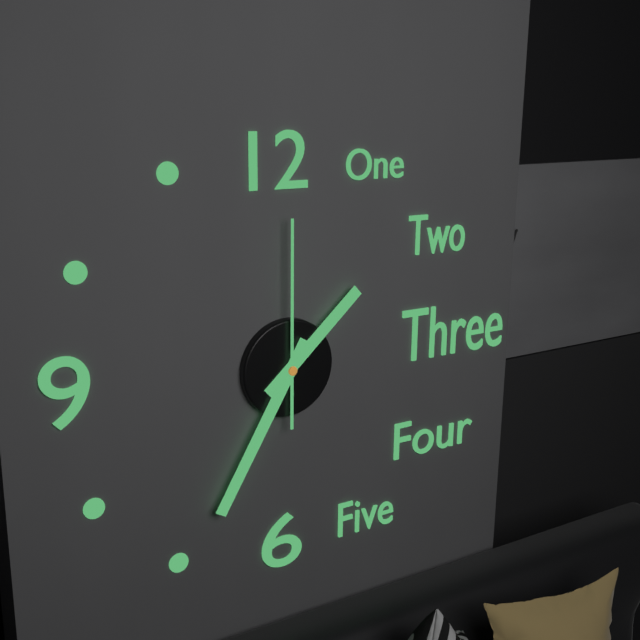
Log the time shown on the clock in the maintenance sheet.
1:35:00
